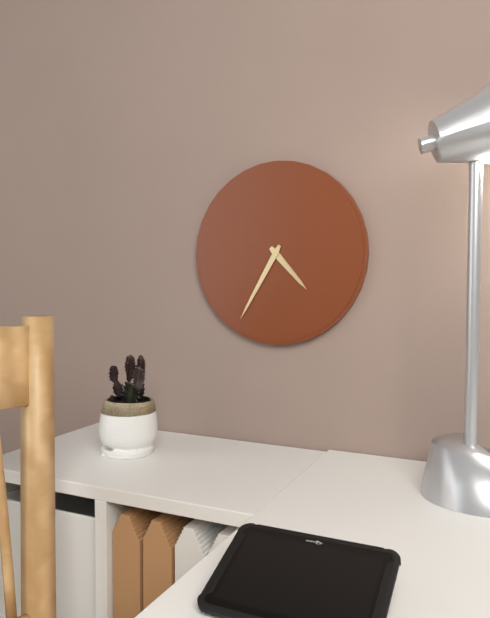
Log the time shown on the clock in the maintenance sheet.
4:35
